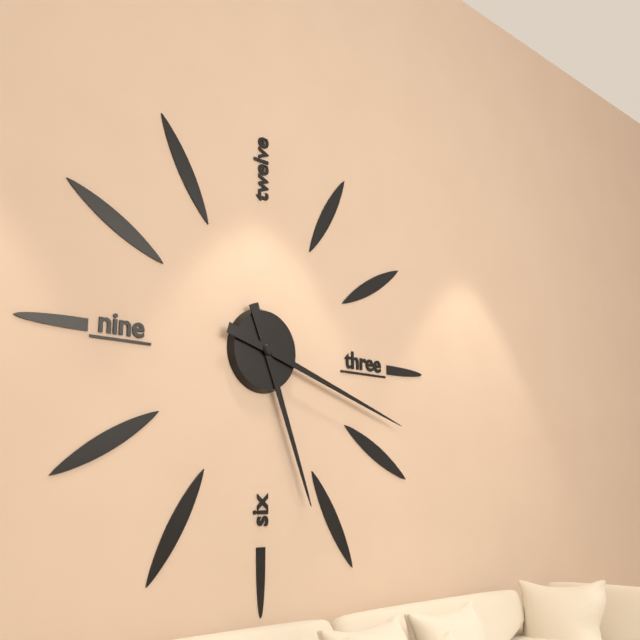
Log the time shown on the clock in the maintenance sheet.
5:18
